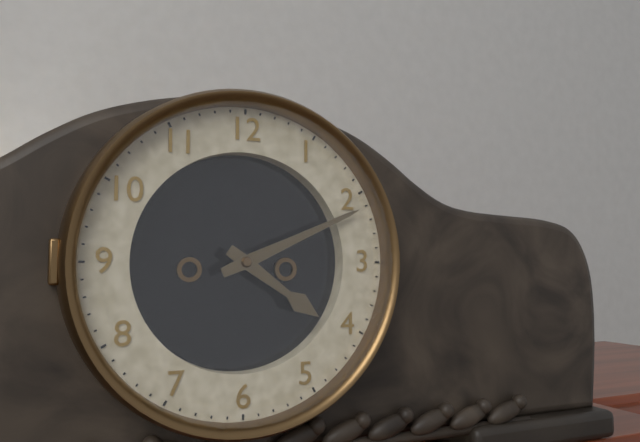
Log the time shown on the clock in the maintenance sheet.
4:11
